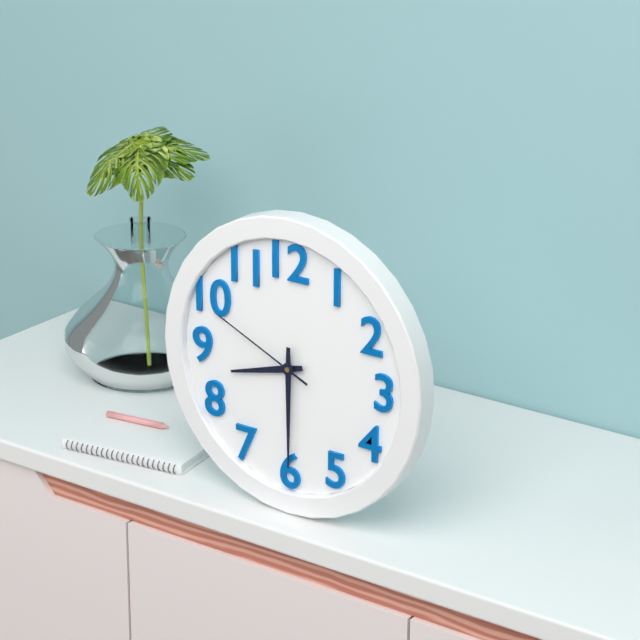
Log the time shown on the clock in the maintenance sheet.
8:30:49
